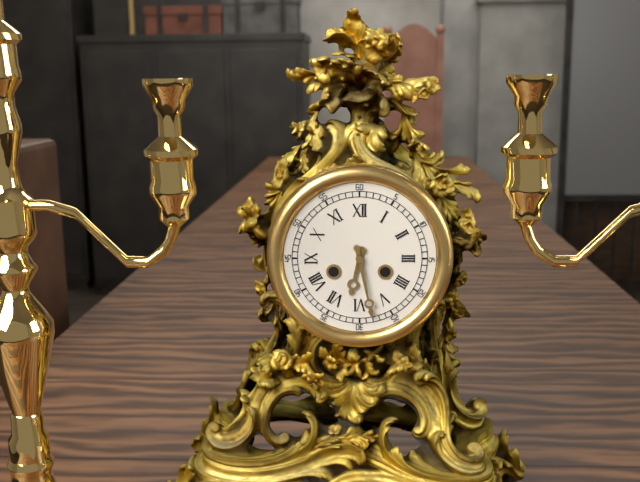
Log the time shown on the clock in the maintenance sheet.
6:28
